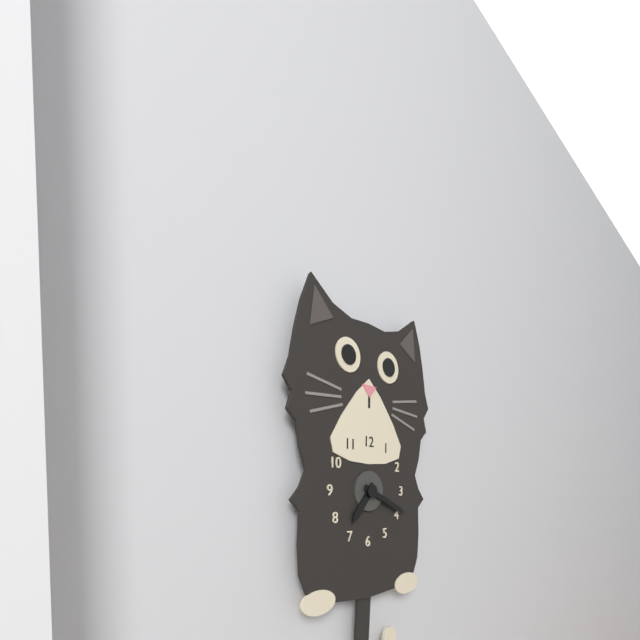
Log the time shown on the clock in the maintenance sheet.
7:19
